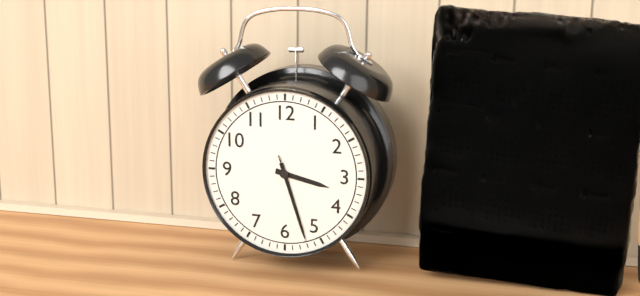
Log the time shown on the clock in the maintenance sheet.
3:27:27
